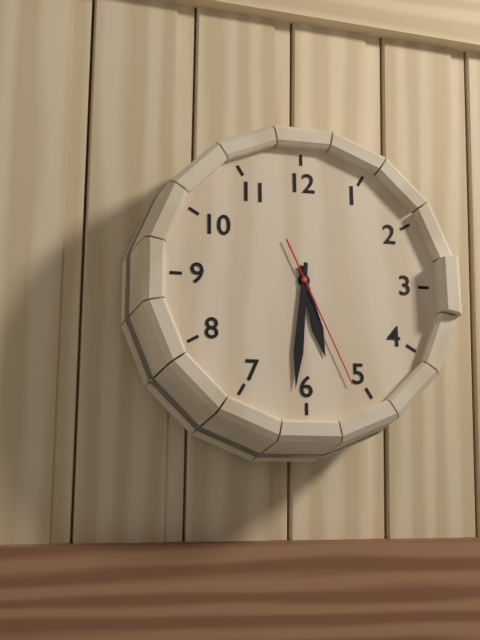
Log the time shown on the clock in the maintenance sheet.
5:31:26
